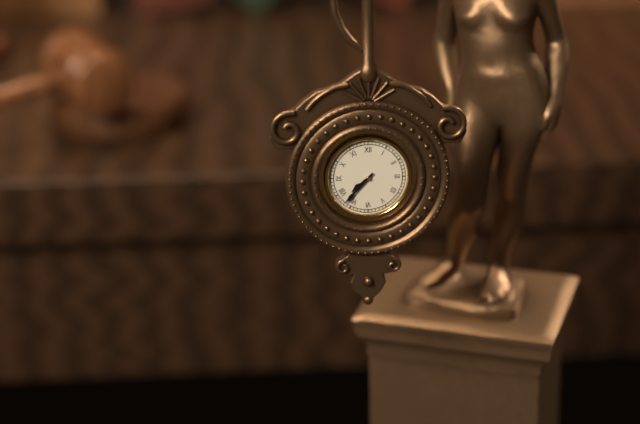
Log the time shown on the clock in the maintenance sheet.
7:37
